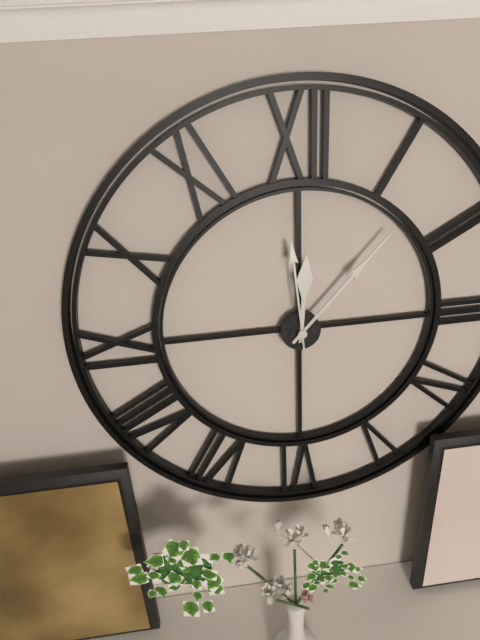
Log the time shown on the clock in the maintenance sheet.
12:07:59
